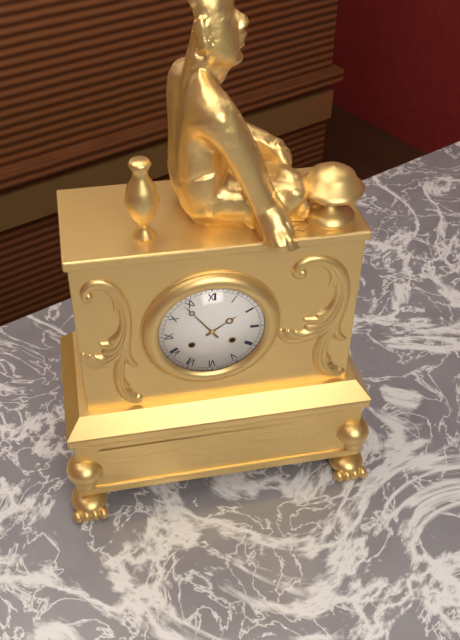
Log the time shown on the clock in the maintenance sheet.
1:54
